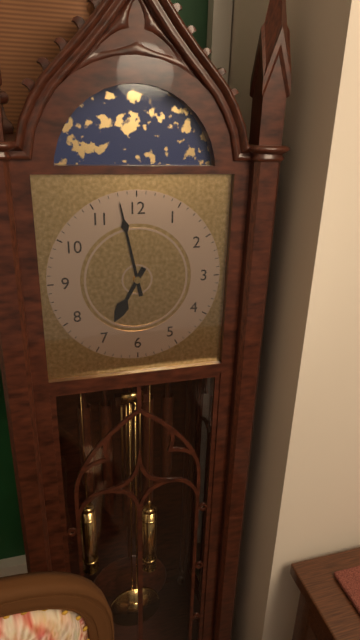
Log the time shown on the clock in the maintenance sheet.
6:58
